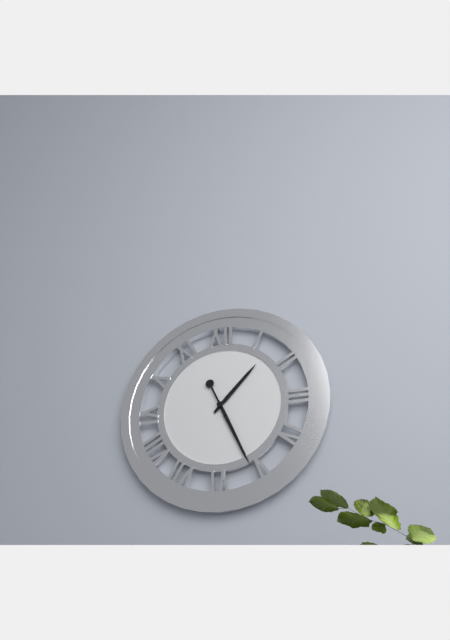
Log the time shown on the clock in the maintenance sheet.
1:26
